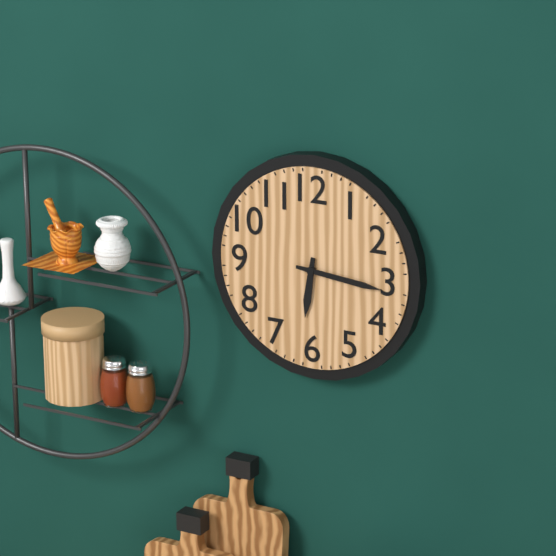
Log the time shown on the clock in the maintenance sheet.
6:16
